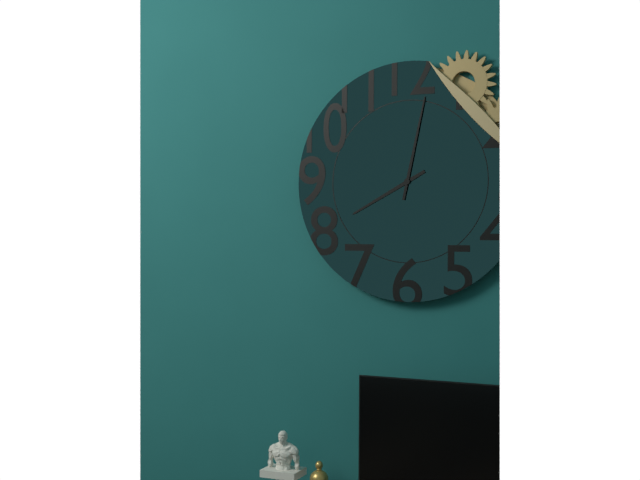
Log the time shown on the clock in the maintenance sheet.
8:02
